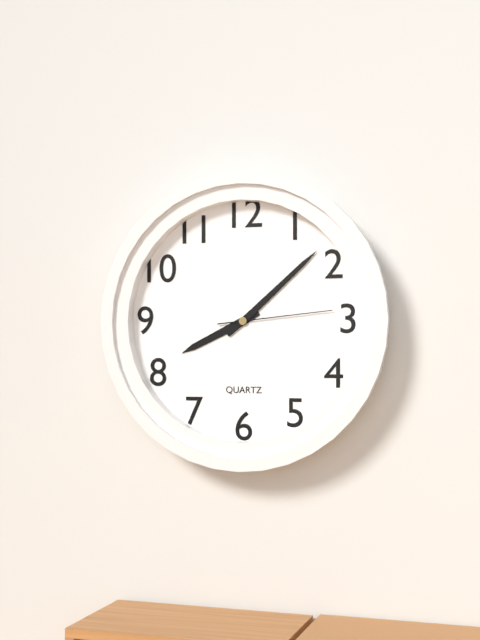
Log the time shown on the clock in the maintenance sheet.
8:08:14
